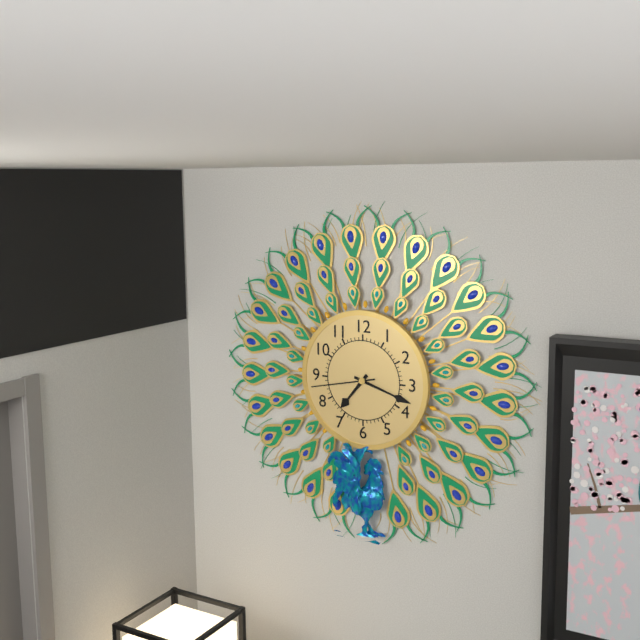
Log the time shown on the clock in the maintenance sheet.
7:18:43
